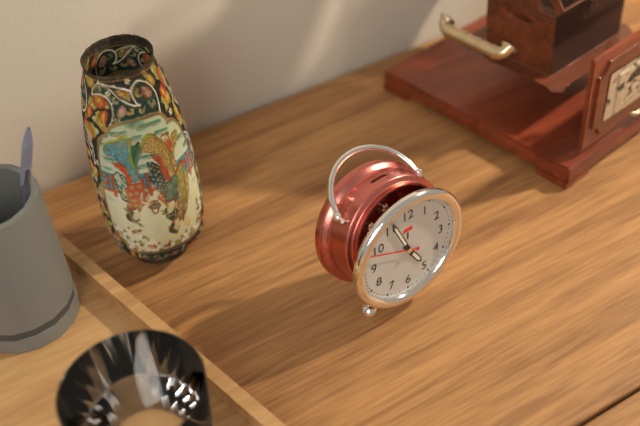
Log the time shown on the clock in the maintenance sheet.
4:56
